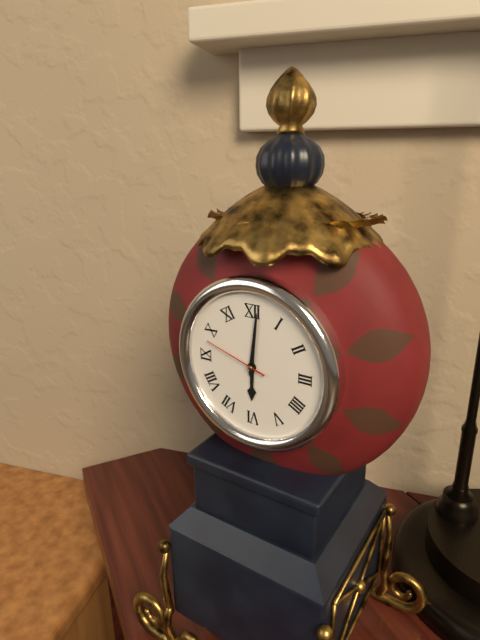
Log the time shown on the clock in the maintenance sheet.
6:01:48
